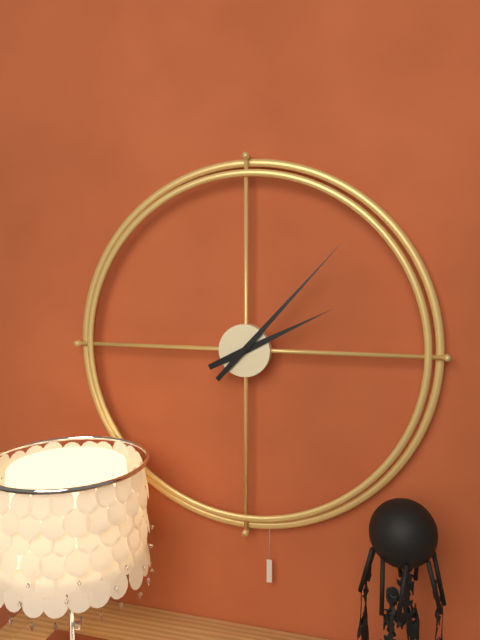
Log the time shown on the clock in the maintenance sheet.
2:07
